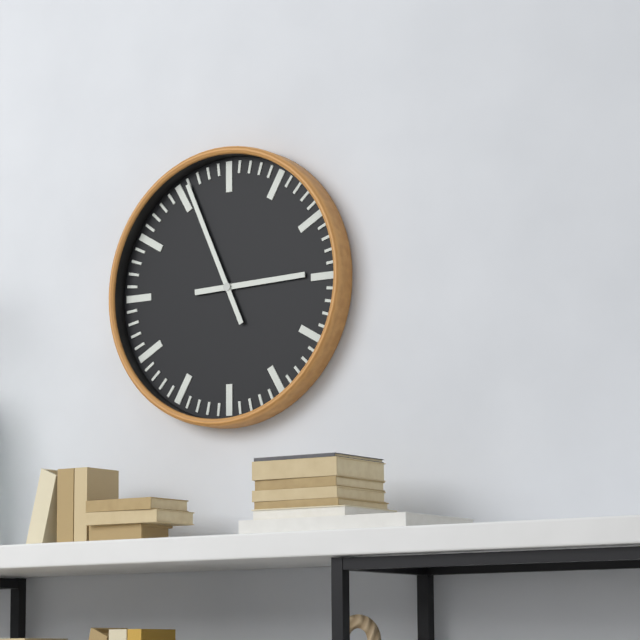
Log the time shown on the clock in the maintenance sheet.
2:56
